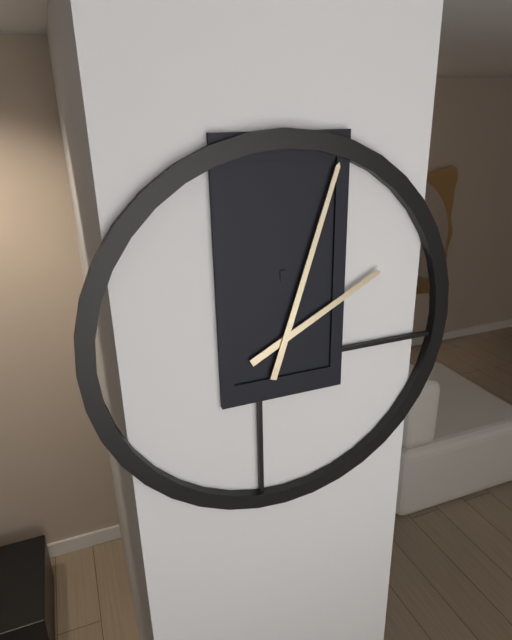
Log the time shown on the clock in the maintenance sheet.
2:03
